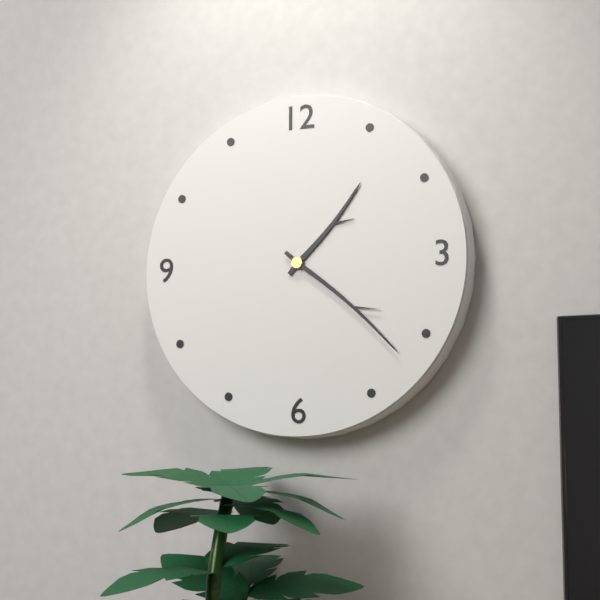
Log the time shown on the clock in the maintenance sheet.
1:22
